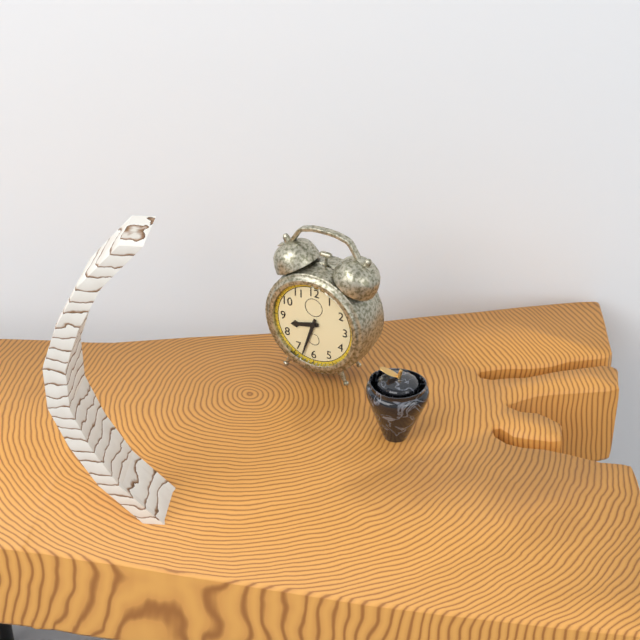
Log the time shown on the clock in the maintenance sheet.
8:33
